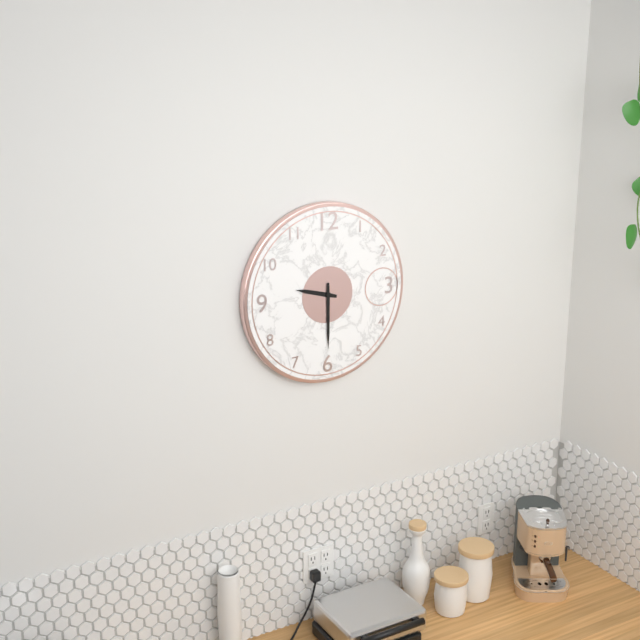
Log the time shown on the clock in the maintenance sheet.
9:30
